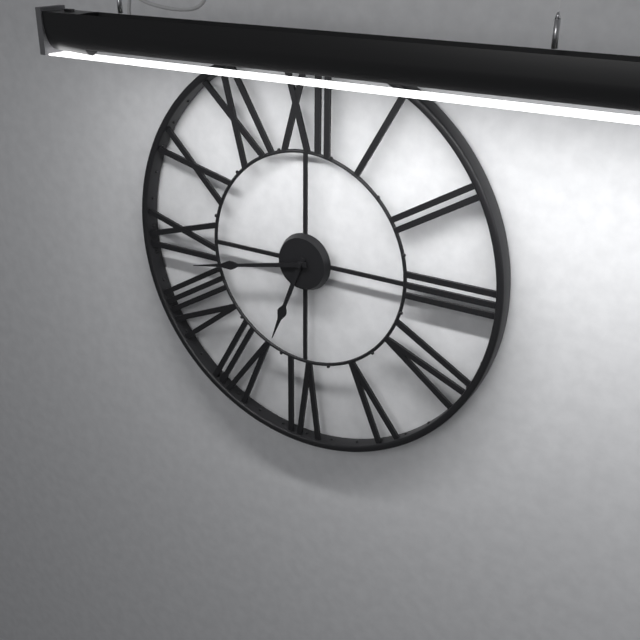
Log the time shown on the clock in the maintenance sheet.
6:43
